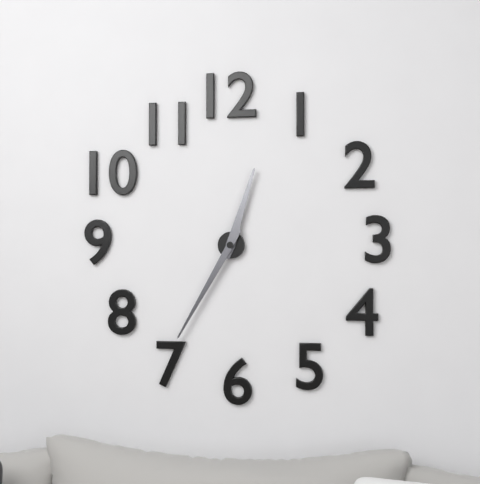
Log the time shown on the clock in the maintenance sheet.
12:35
